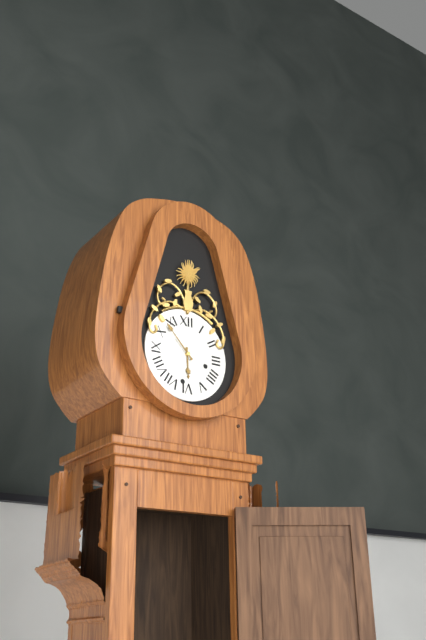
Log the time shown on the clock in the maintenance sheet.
5:53
